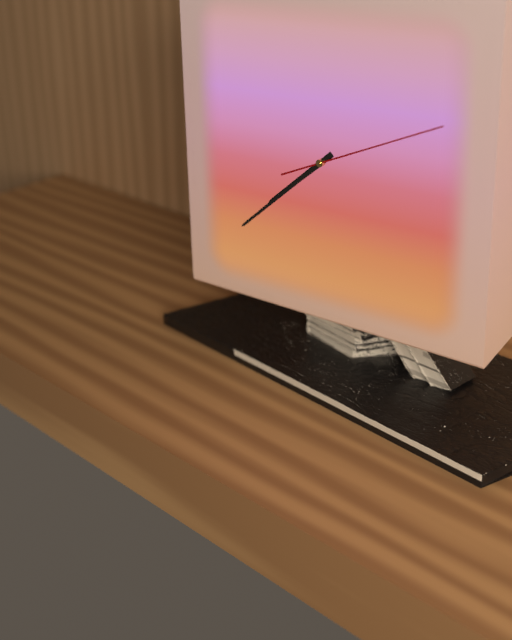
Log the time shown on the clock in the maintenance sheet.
7:38:11
